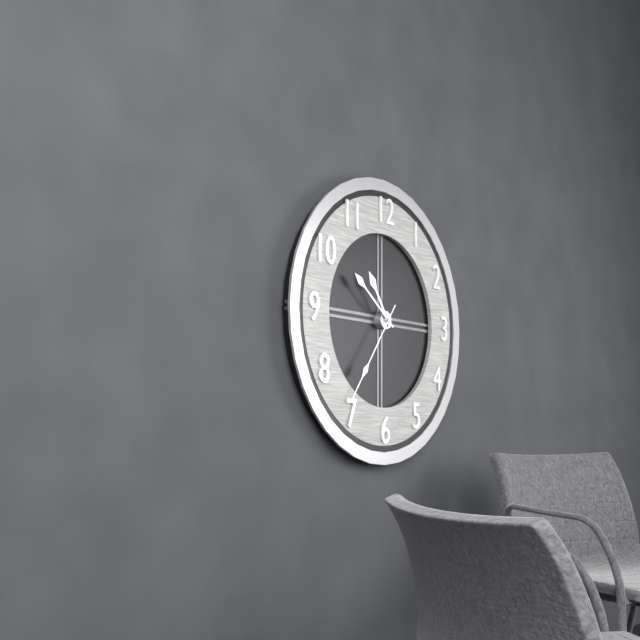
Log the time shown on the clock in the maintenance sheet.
10:51:36
